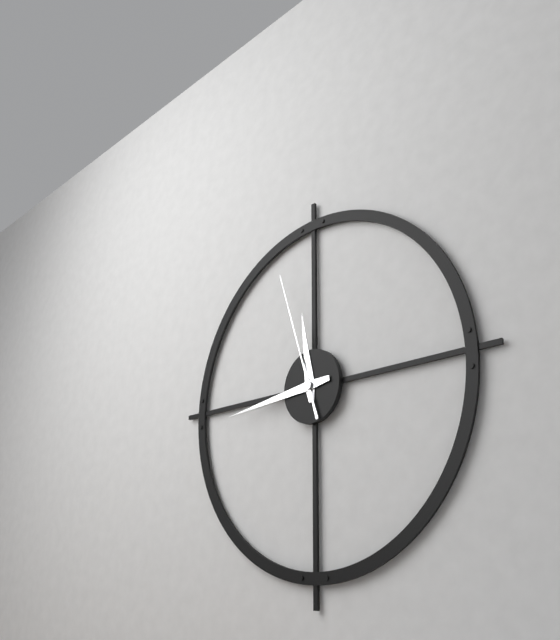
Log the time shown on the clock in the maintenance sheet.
11:44:57
